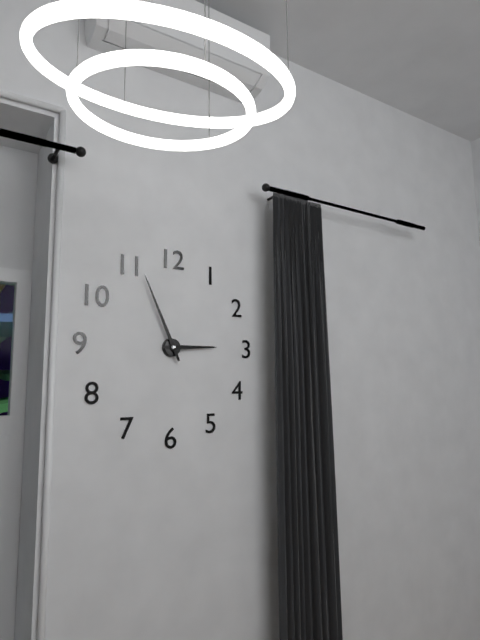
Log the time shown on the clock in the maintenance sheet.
2:56
